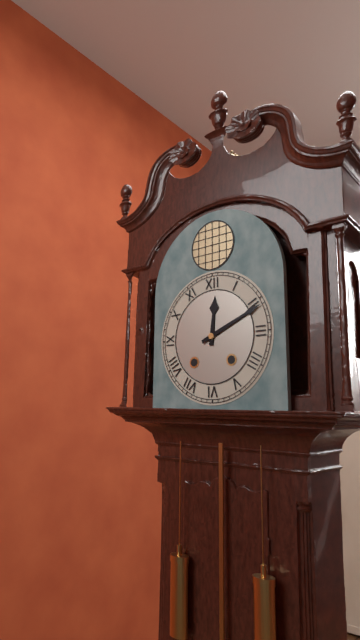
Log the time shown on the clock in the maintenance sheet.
12:11
